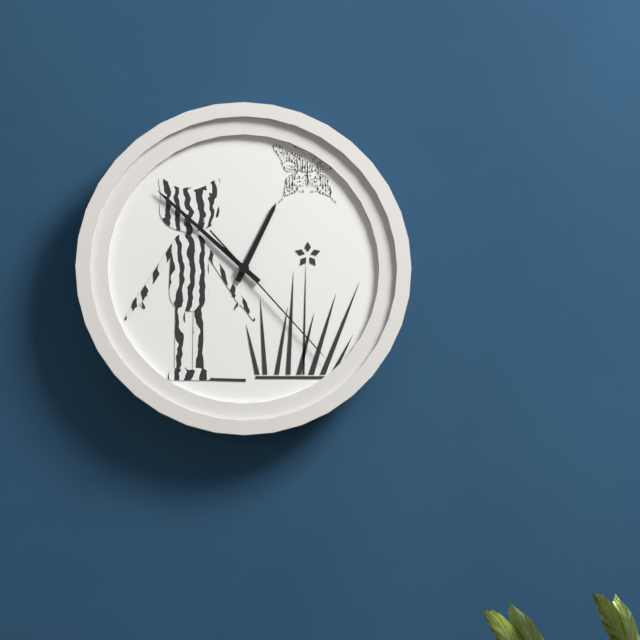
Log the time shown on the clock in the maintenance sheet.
12:52:23
